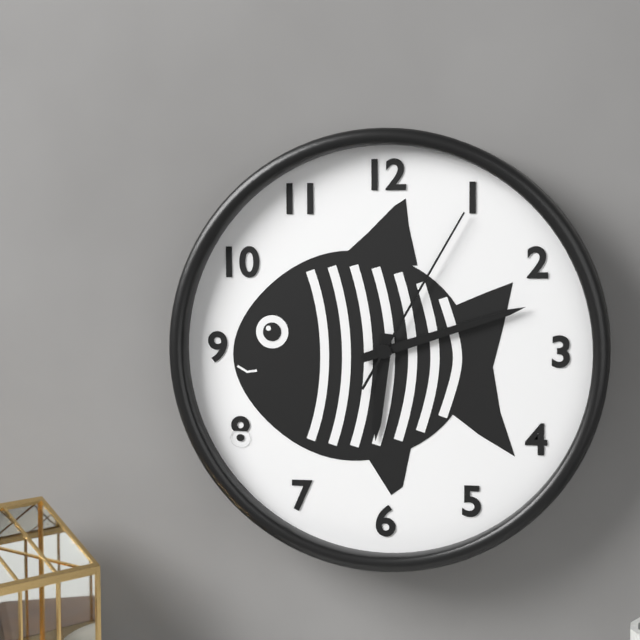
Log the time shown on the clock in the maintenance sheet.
6:12:05
